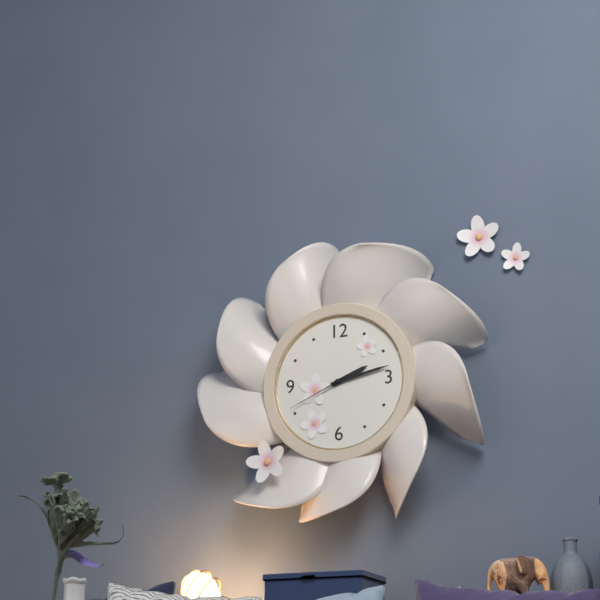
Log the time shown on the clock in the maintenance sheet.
2:13:41
